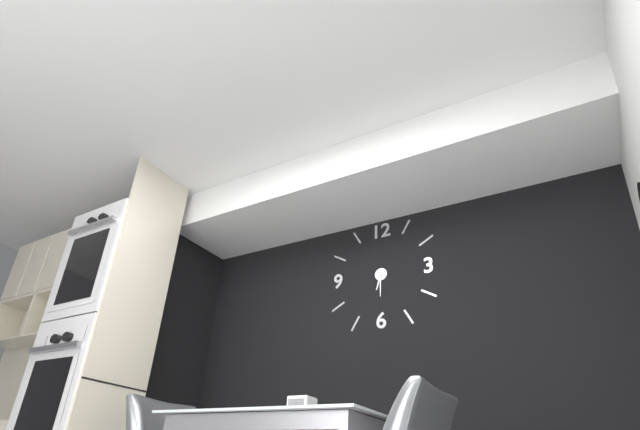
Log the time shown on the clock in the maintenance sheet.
6:30
